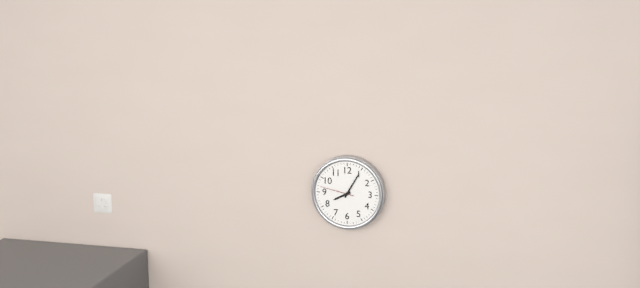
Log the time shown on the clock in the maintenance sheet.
8:05
